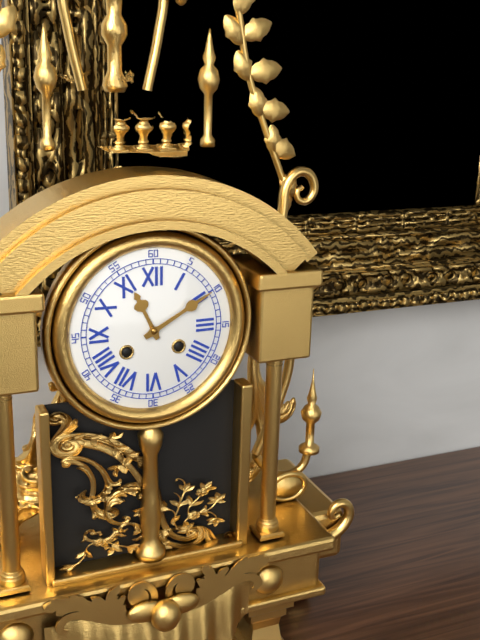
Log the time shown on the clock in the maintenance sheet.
11:10
